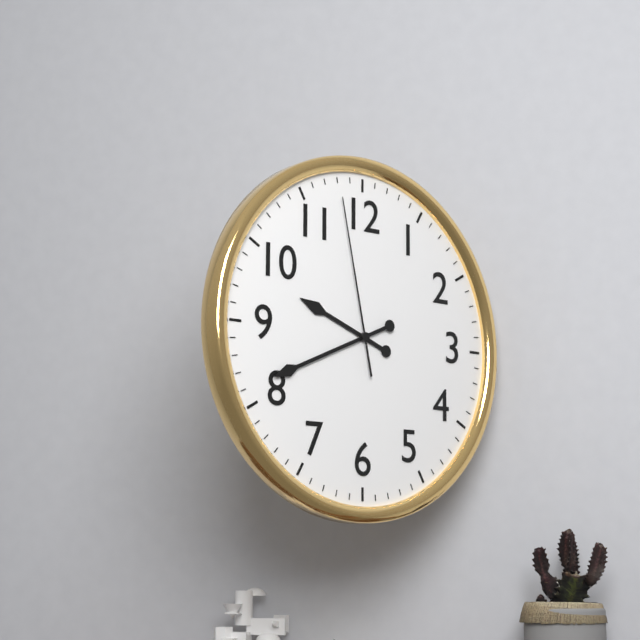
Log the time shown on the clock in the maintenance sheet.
9:41:58
